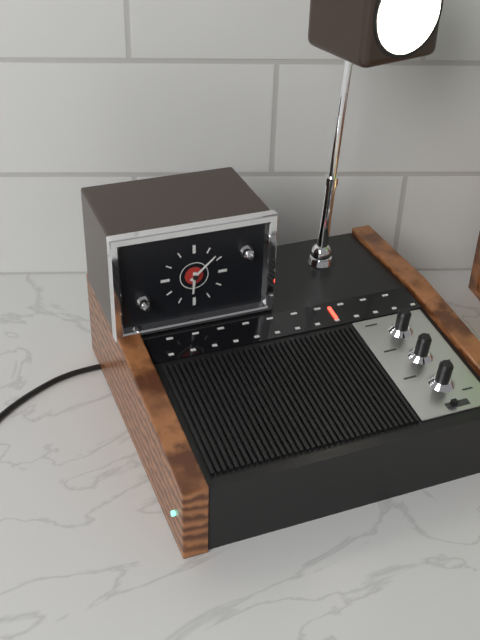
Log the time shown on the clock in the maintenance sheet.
6:08
